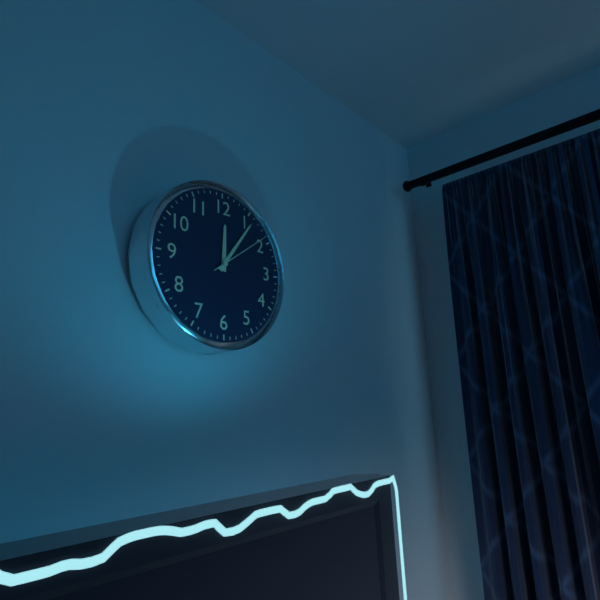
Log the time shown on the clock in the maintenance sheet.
12:06:09
